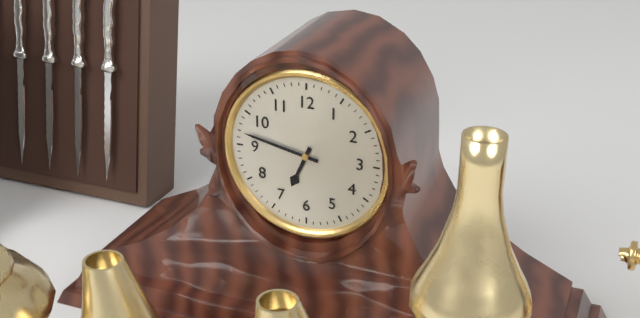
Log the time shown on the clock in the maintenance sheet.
6:47
